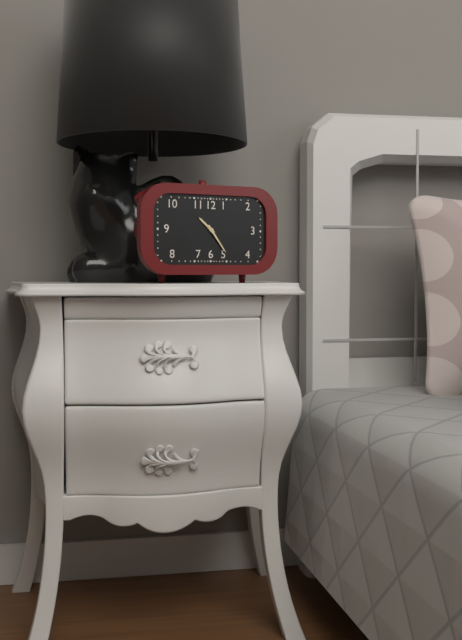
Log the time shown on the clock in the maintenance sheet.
10:24
